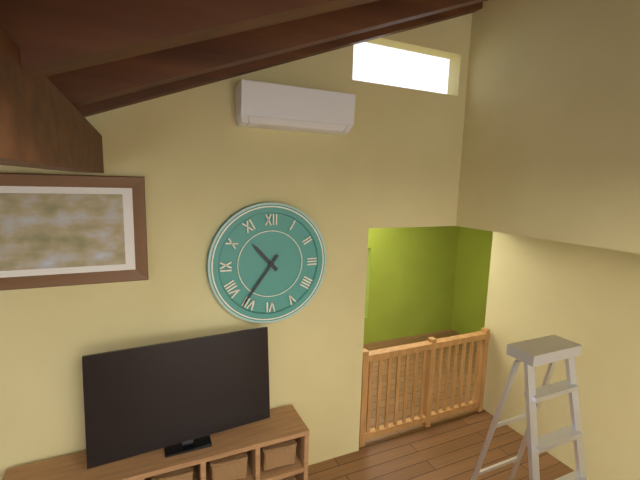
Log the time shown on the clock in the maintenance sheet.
10:36
